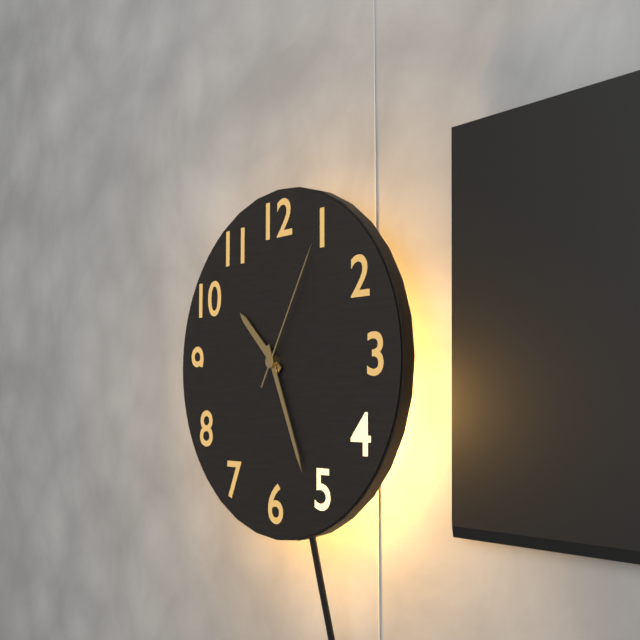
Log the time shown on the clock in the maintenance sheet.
10:26:05
